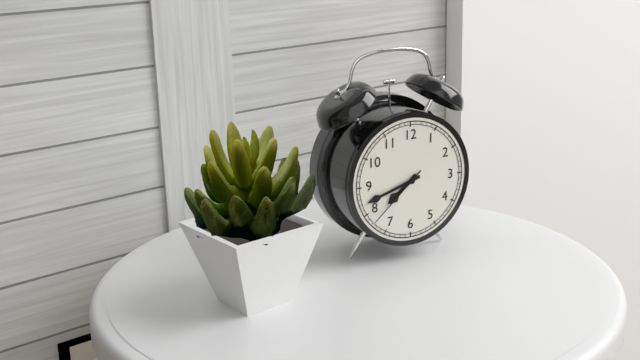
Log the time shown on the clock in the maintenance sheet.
7:42:38
